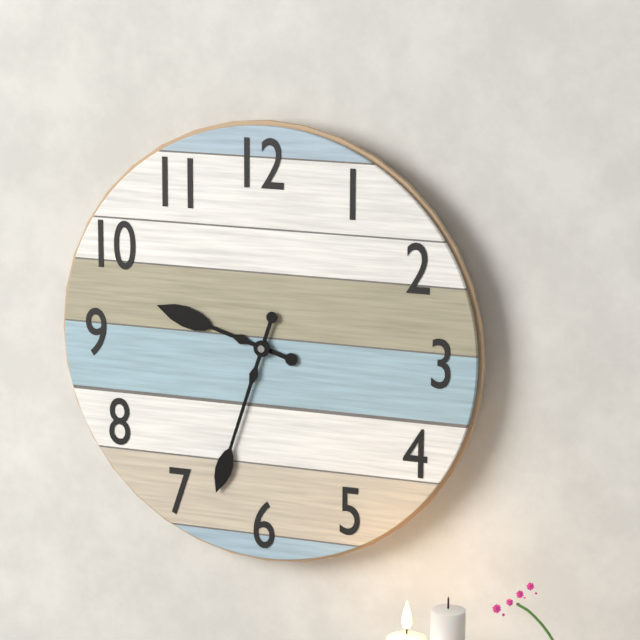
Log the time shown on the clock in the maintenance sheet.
9:33
